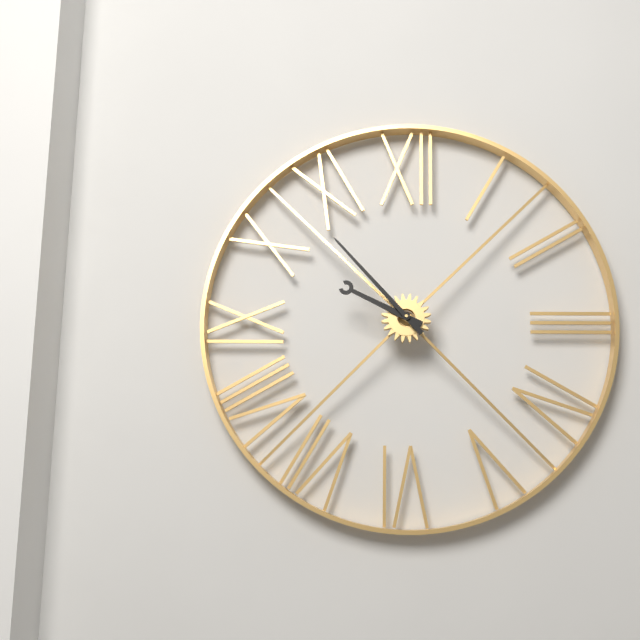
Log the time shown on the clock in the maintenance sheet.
9:53
